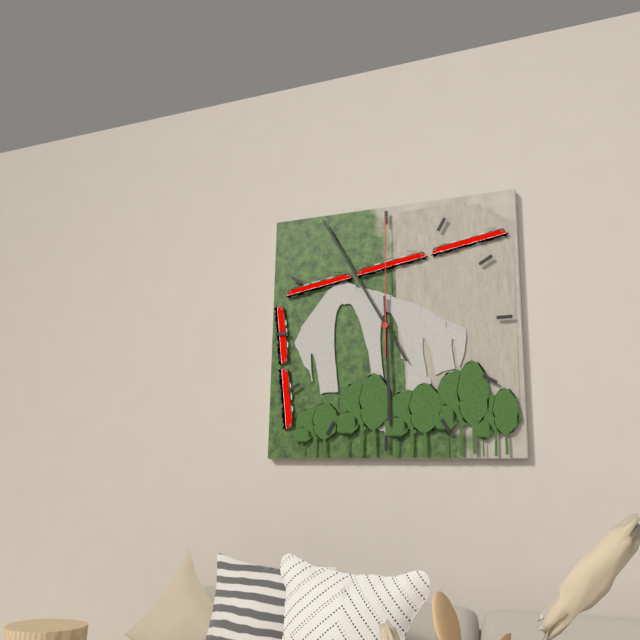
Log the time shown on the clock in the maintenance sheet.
5:55:00
